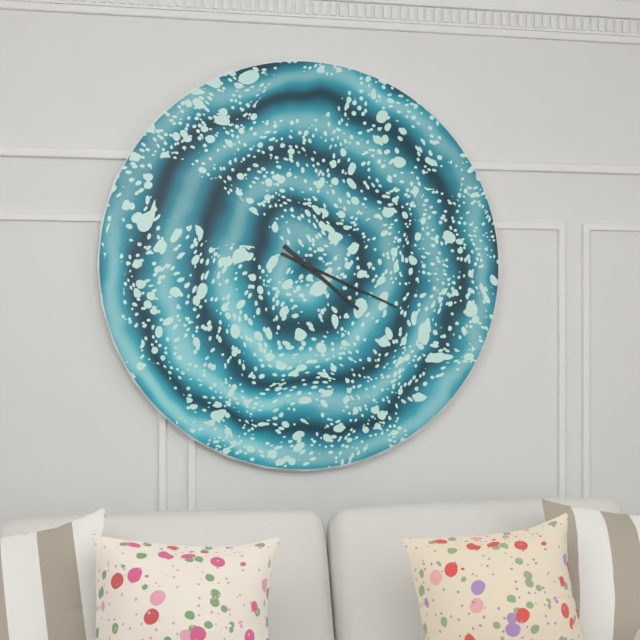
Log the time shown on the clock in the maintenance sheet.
4:19
